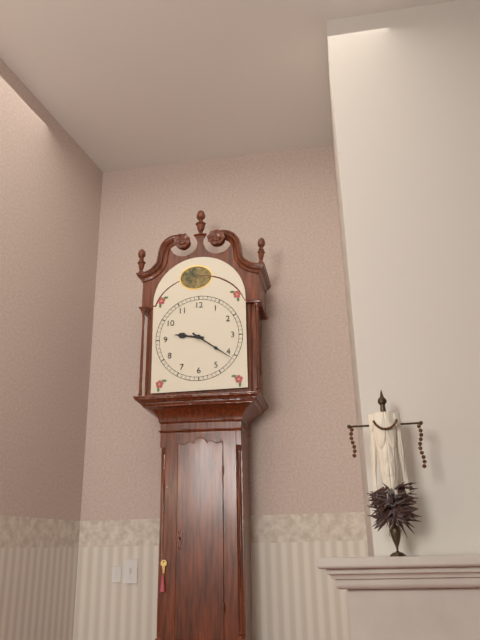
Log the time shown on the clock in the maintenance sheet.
9:21
